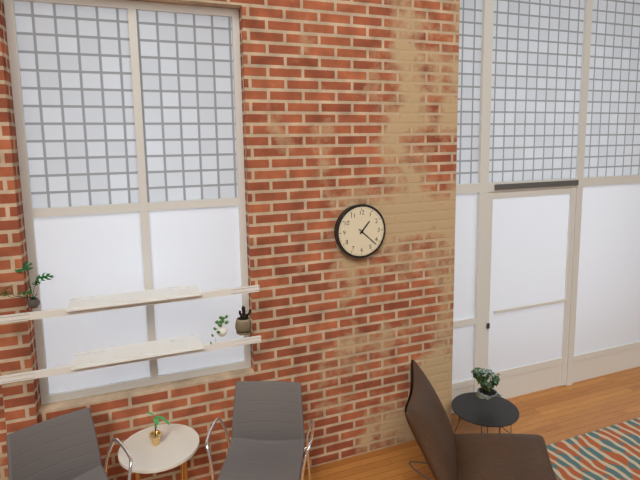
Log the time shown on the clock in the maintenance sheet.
1:22
